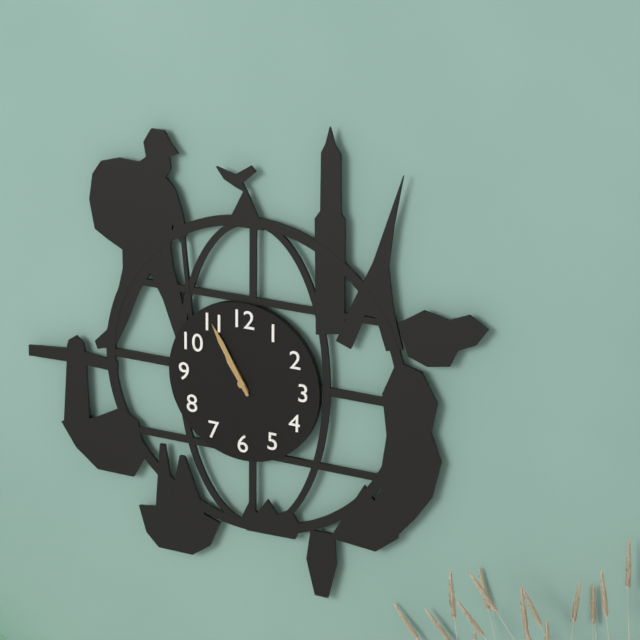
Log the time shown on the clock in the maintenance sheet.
10:55
